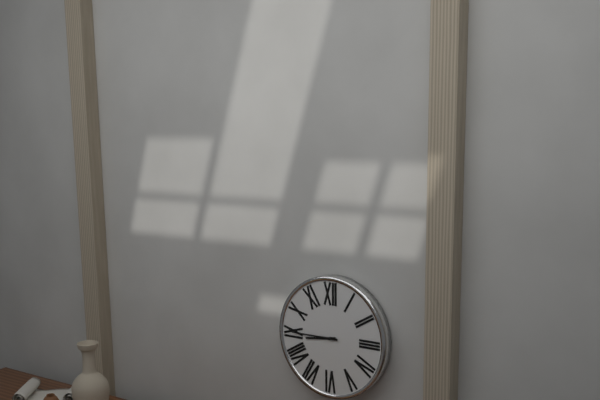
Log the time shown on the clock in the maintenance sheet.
8:45
